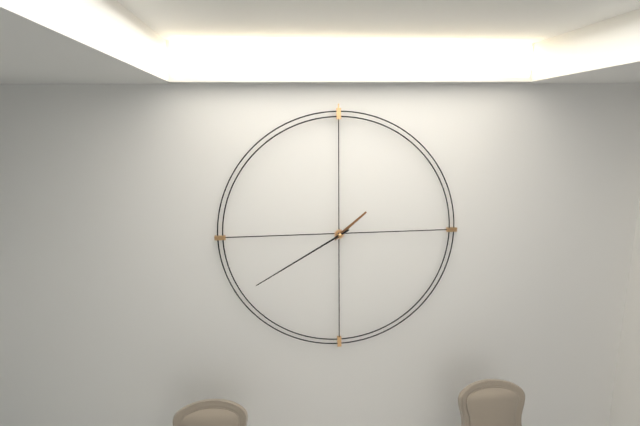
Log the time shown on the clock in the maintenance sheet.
1:40
